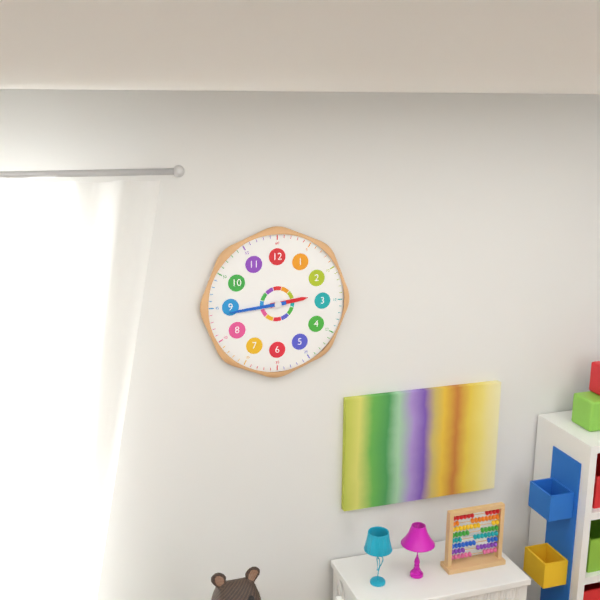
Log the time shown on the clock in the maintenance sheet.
2:44
